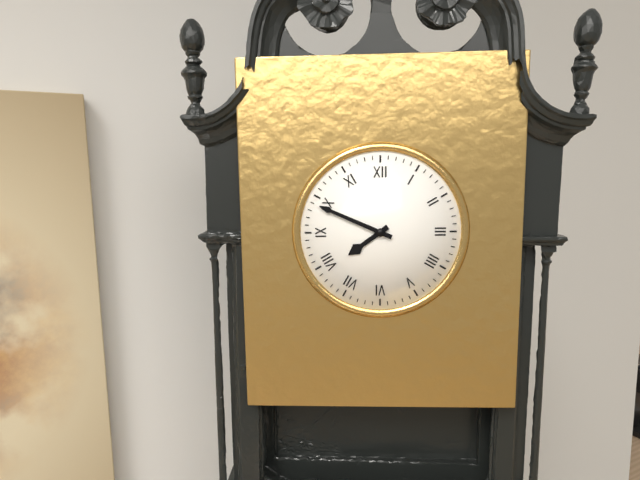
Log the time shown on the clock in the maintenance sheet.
7:49
